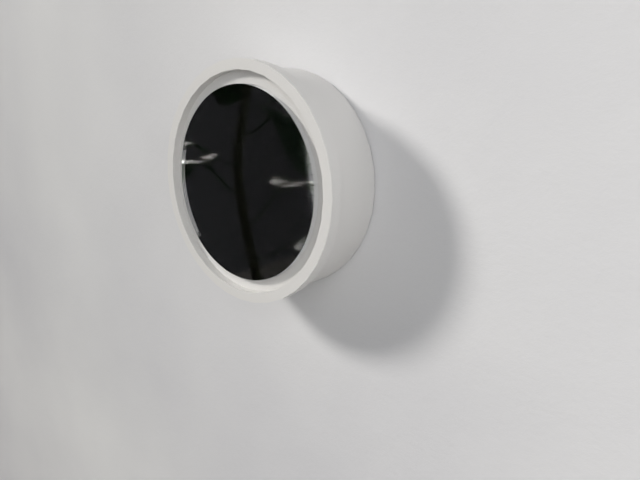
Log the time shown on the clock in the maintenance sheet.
9:34:01
